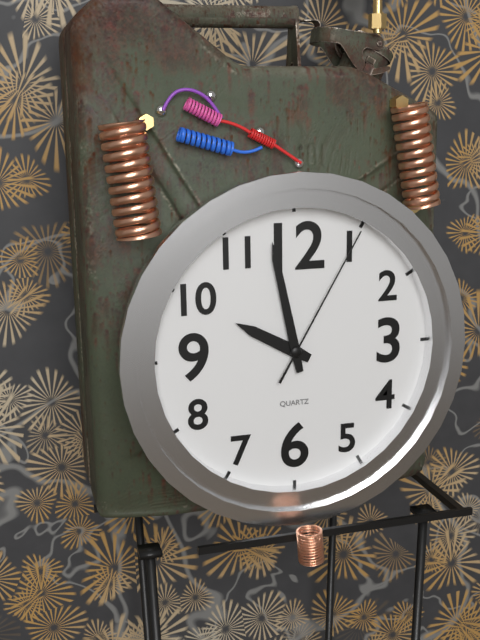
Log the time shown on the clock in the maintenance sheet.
9:58:05
